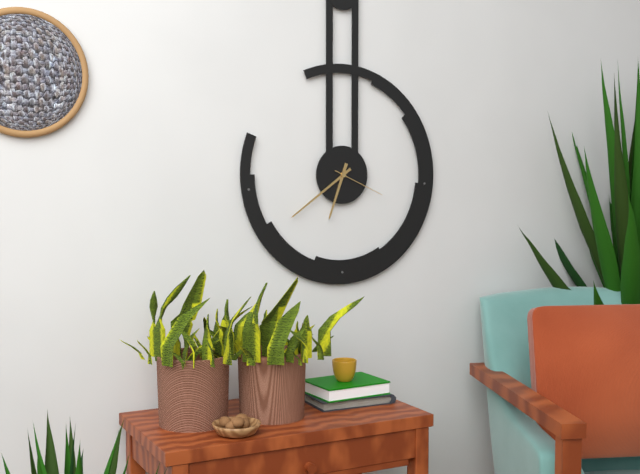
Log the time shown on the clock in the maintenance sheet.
6:39:19
